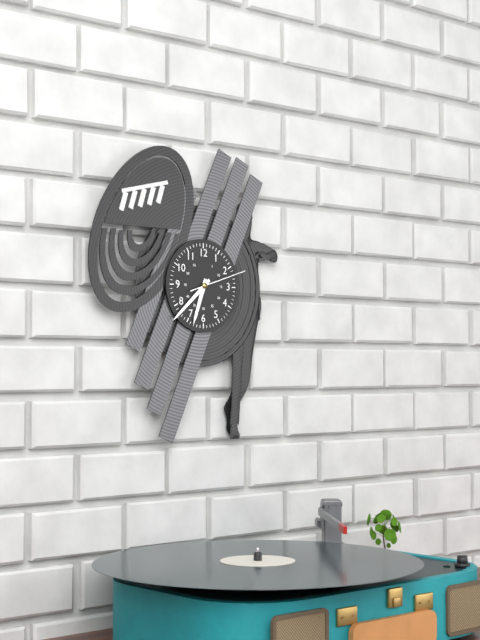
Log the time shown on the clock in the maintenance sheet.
6:38:12
